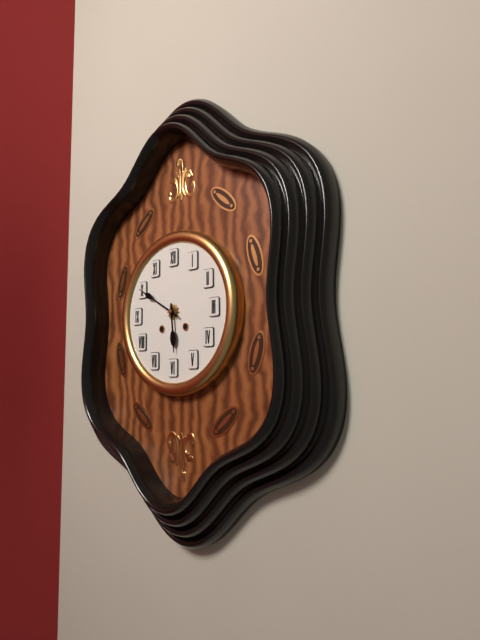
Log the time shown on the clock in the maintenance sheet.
5:50
